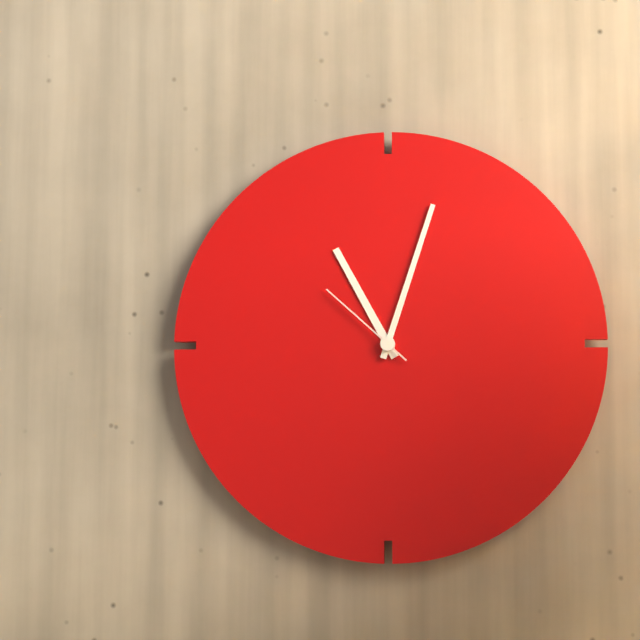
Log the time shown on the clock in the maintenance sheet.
11:03:52
